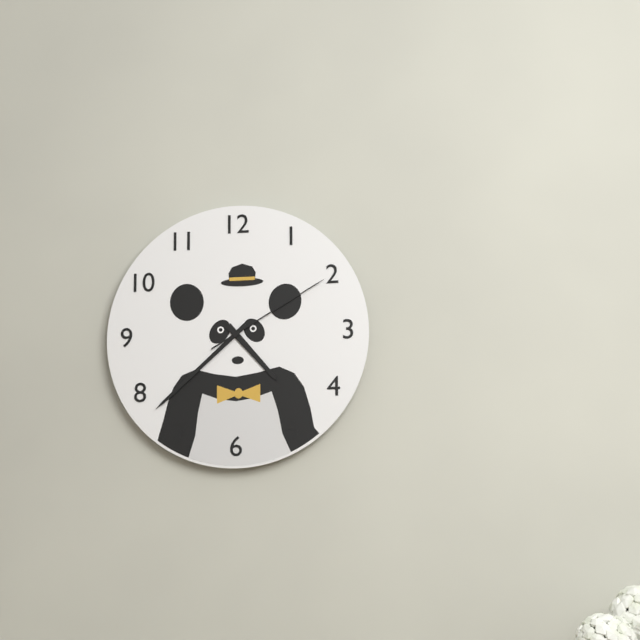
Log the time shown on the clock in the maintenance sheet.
4:38:10
